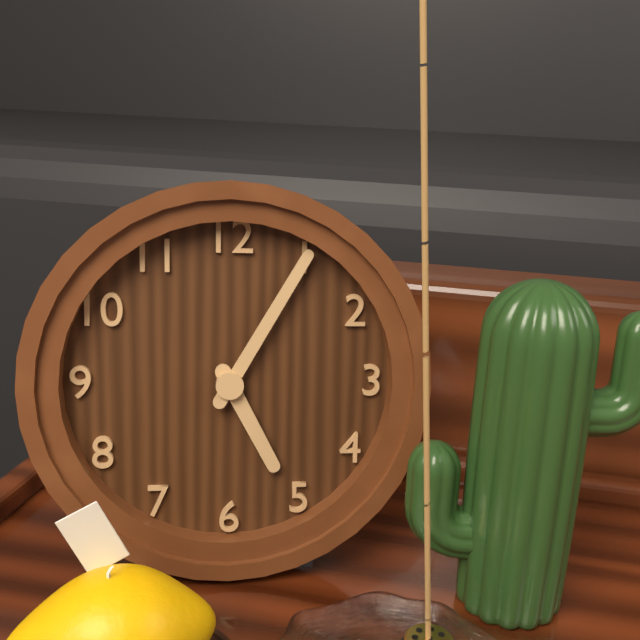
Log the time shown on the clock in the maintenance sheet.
5:05
